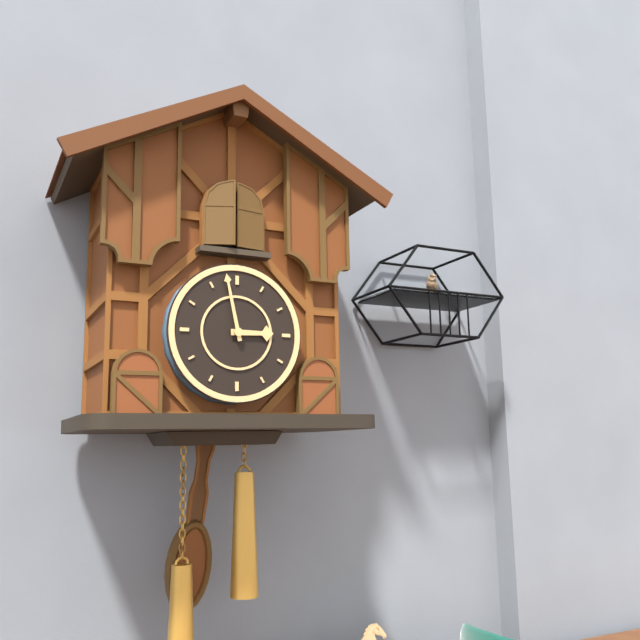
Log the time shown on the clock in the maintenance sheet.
2:58
